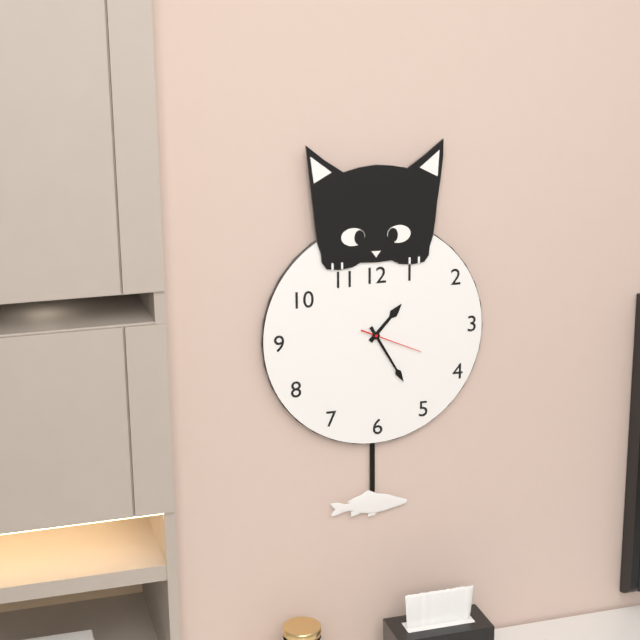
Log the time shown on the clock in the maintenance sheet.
1:25:19
